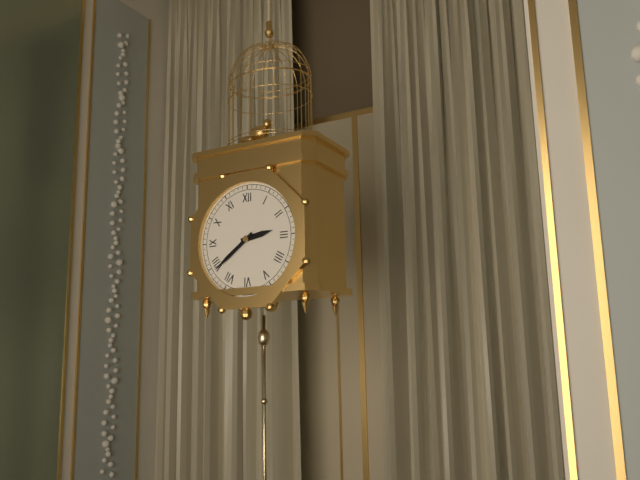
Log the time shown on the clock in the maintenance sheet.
2:39
